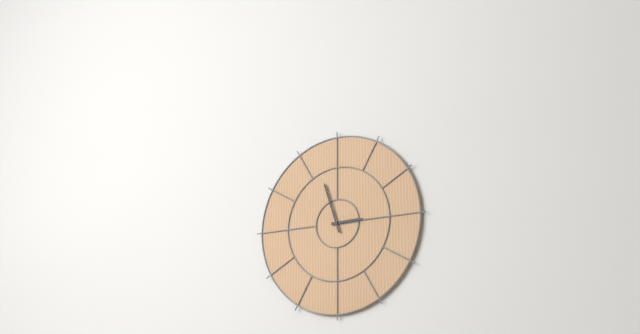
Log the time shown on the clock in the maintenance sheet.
2:57
